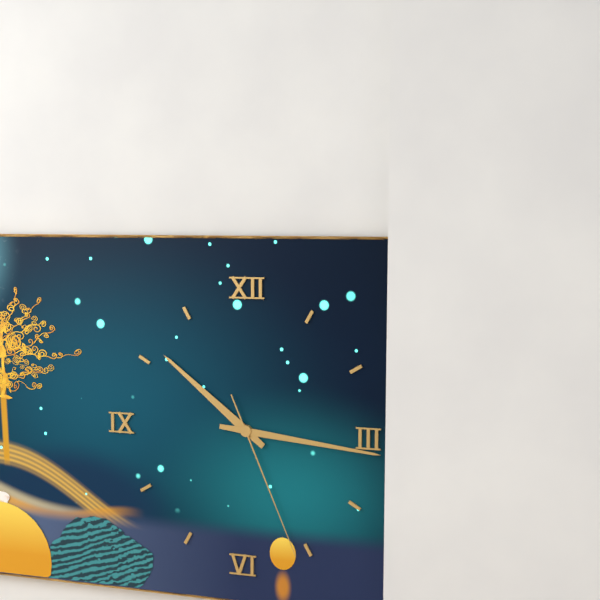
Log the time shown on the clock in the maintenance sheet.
10:16:26
